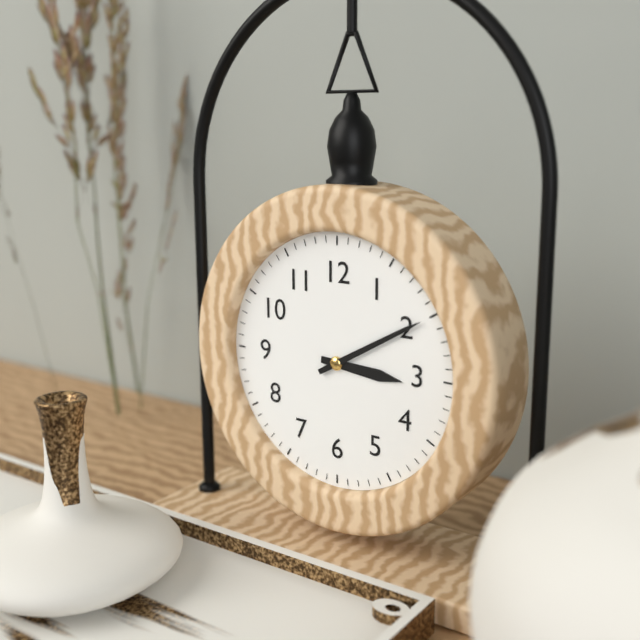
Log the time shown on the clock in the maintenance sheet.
3:10
